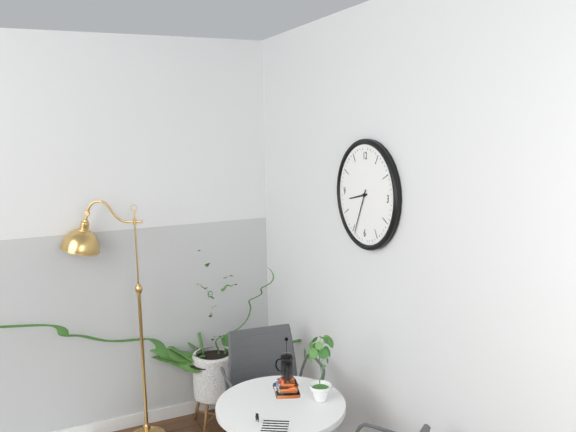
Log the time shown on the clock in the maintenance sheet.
8:34
